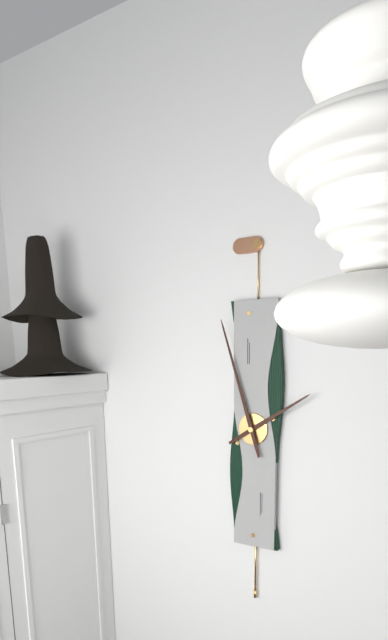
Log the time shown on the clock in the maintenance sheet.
1:57
